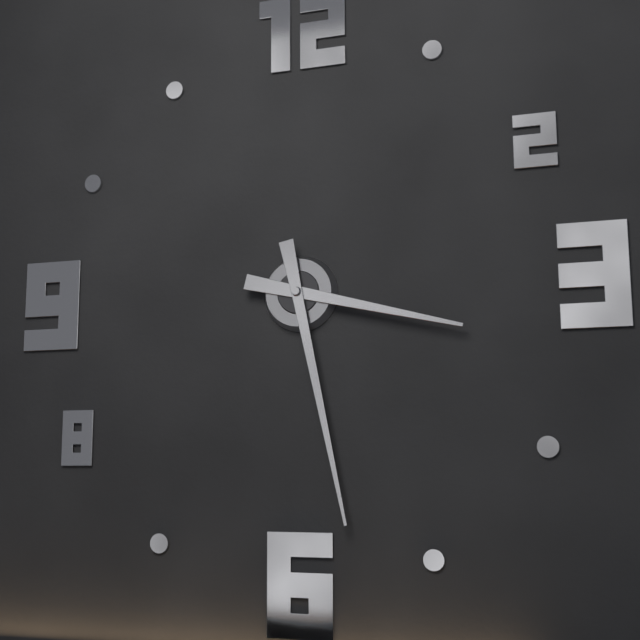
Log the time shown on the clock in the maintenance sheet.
3:28
